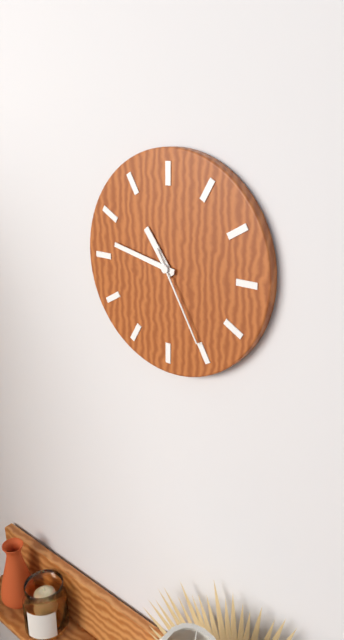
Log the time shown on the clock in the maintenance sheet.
10:47:25
